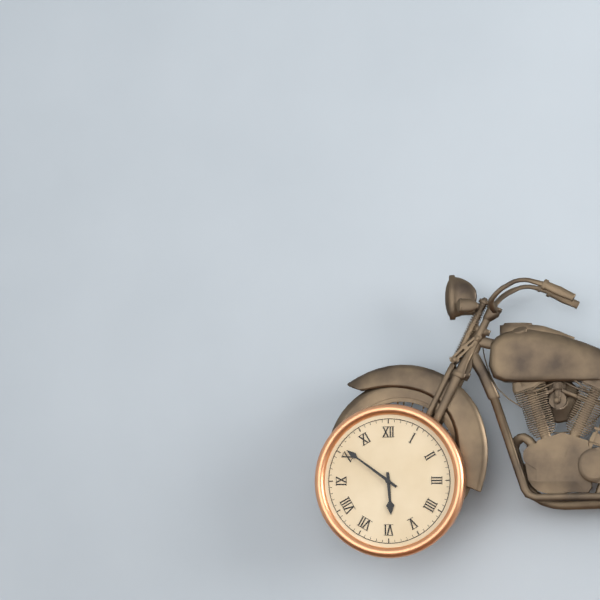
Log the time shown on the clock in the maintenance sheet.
5:51
